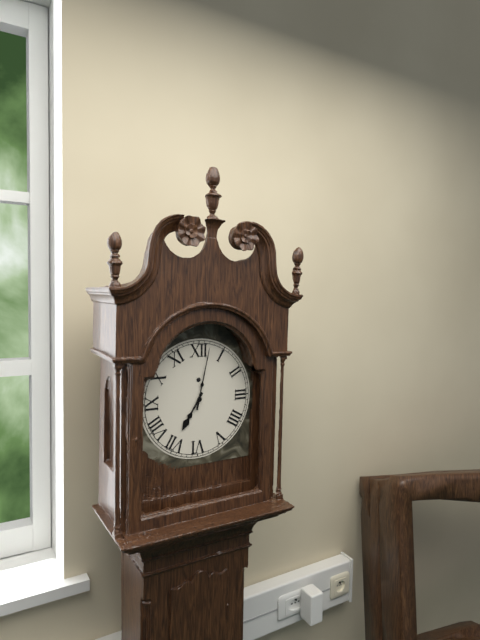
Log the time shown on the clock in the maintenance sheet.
7:02
